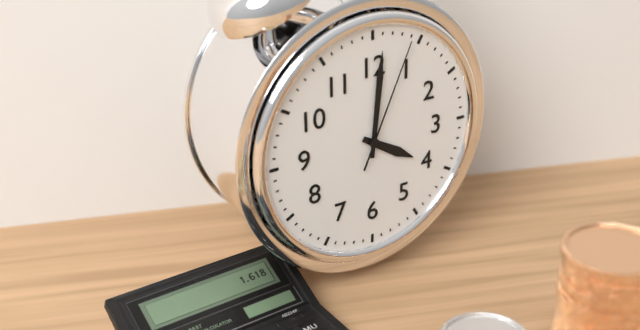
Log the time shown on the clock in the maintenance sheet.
4:01:04
